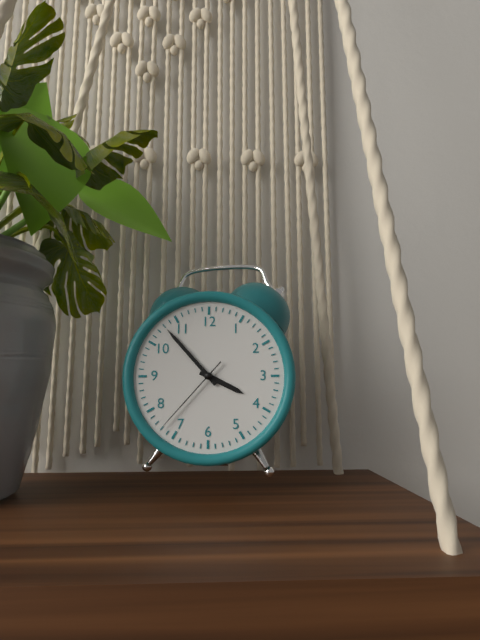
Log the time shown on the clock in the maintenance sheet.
3:53:37
